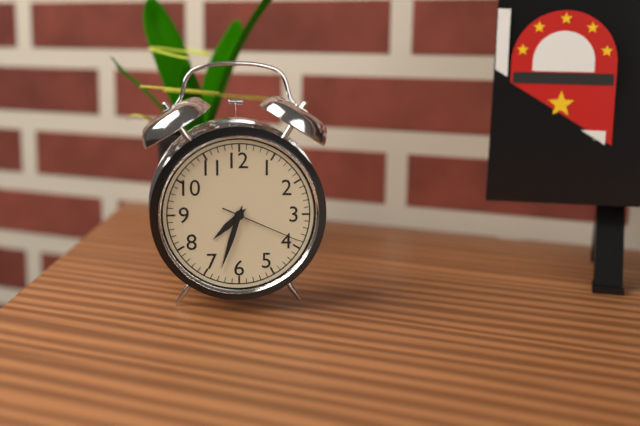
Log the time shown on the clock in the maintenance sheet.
7:33:19
